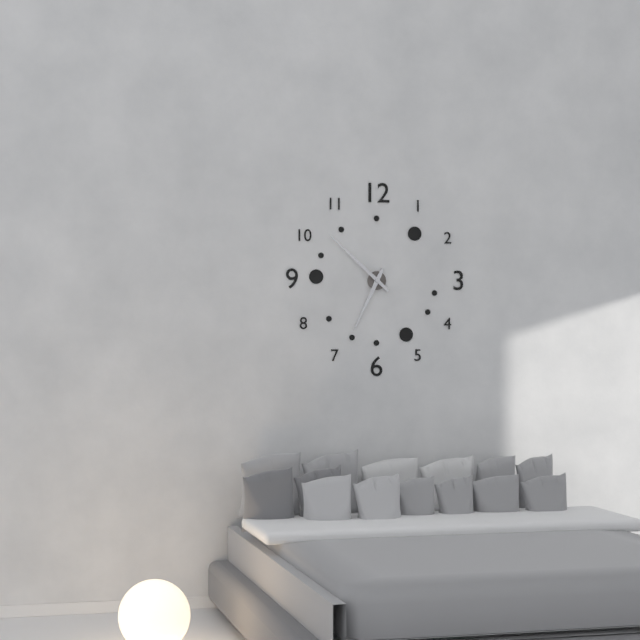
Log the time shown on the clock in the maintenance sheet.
6:52
